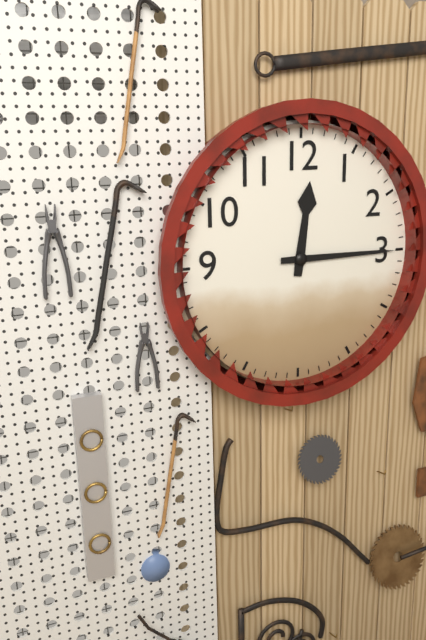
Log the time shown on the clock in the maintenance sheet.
12:15
